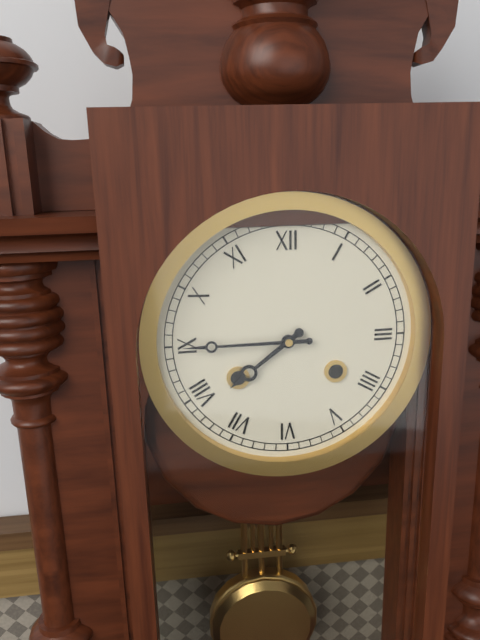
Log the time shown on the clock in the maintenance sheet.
7:45
